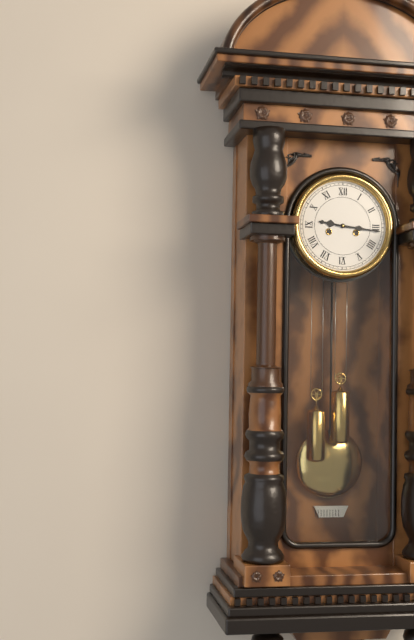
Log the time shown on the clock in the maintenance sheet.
9:16
